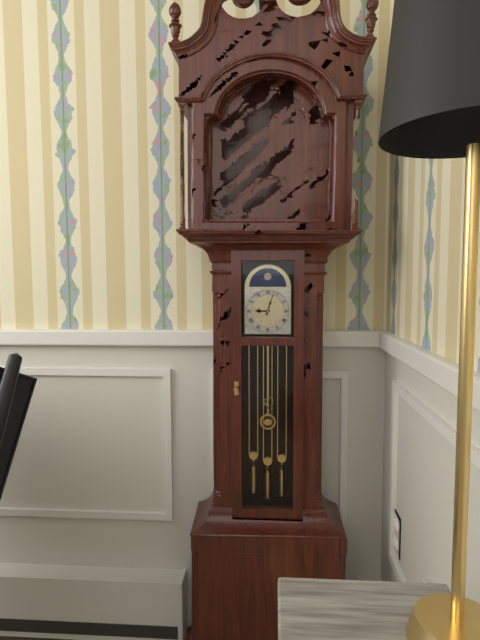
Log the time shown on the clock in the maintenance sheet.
9:03
